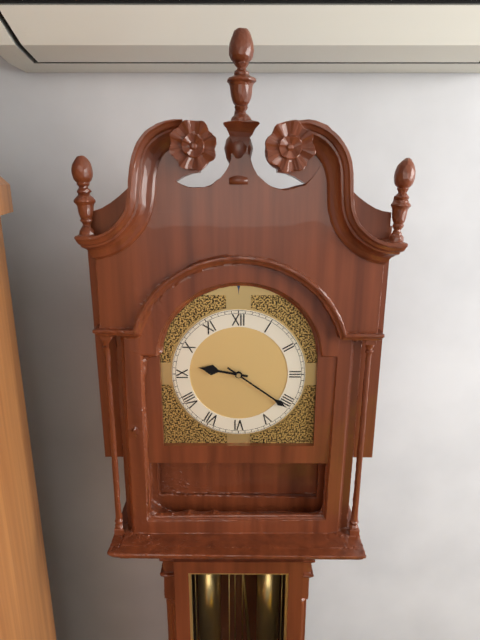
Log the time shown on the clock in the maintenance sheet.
9:21
